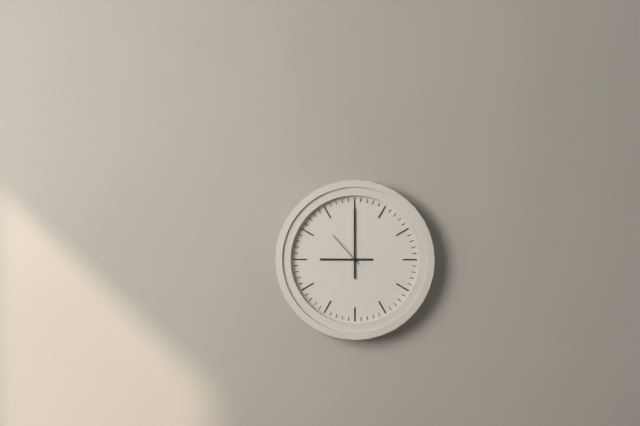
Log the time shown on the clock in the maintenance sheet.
9:00
